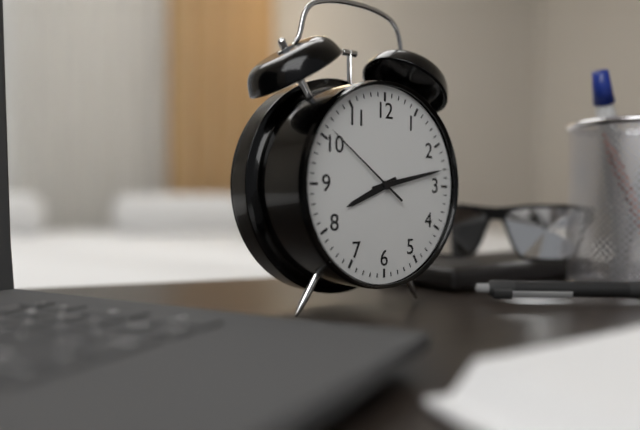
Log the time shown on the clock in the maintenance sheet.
8:13:51
